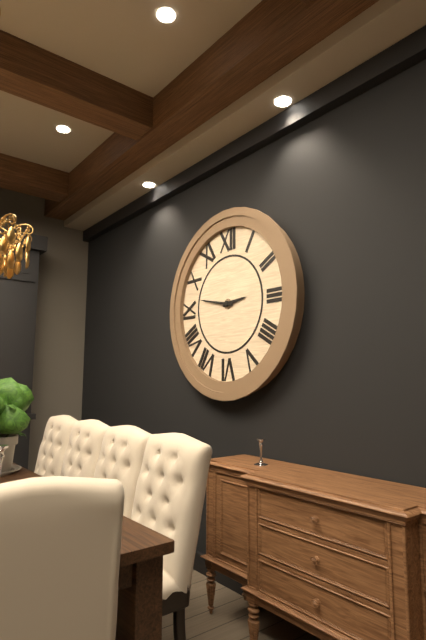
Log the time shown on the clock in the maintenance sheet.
2:47
